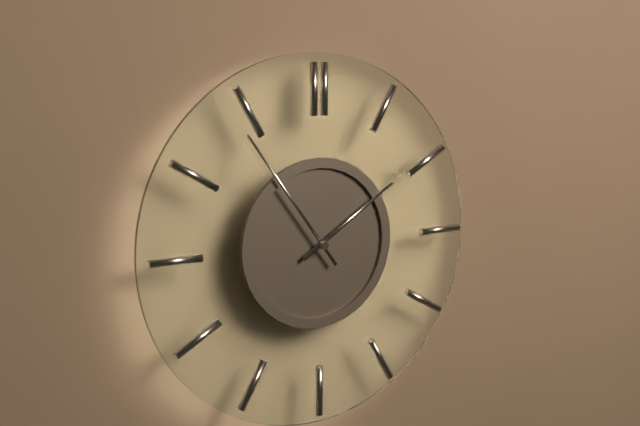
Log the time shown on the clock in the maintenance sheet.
1:54
